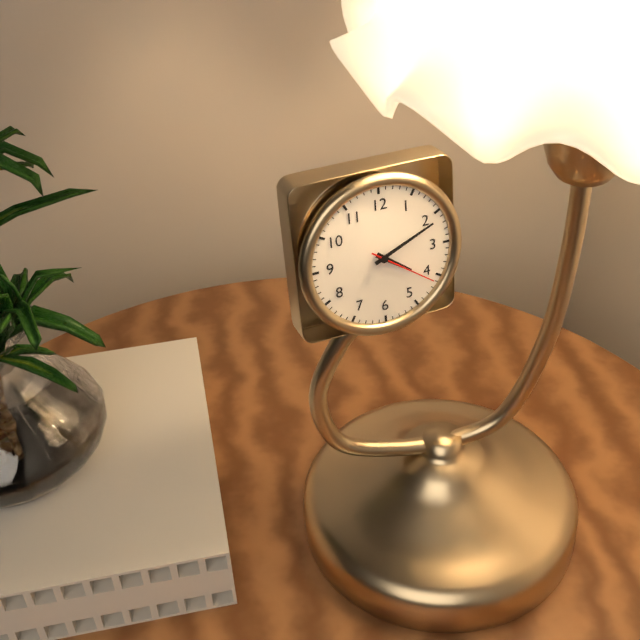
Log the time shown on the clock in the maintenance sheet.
4:11:21
